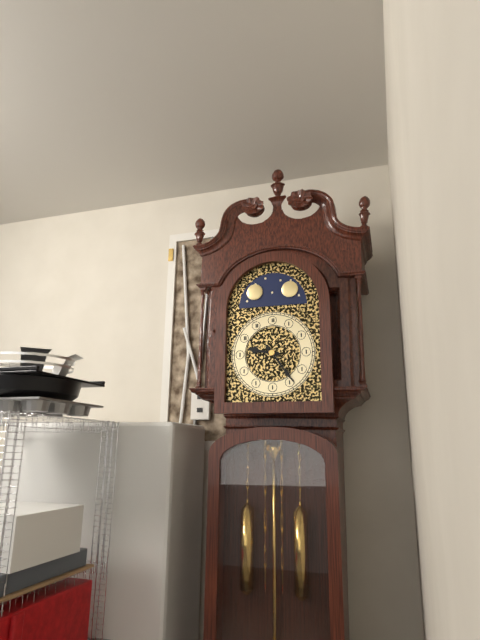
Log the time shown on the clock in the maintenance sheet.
9:24
